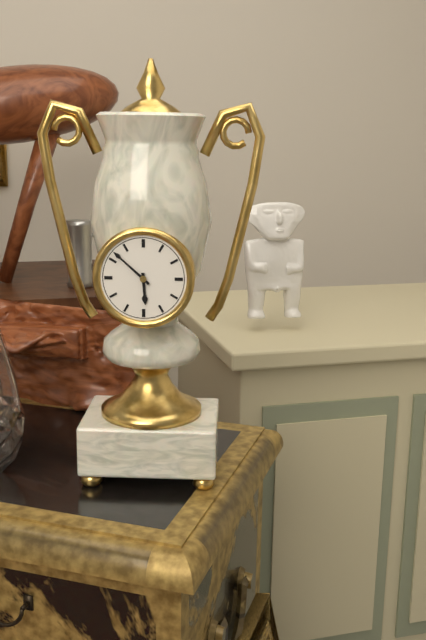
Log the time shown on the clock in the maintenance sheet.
5:52
